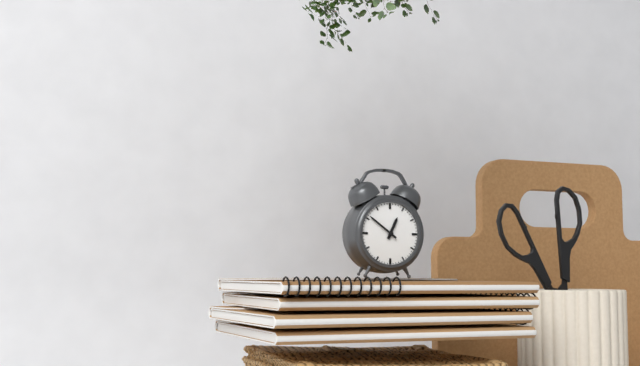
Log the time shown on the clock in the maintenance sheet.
12:51
